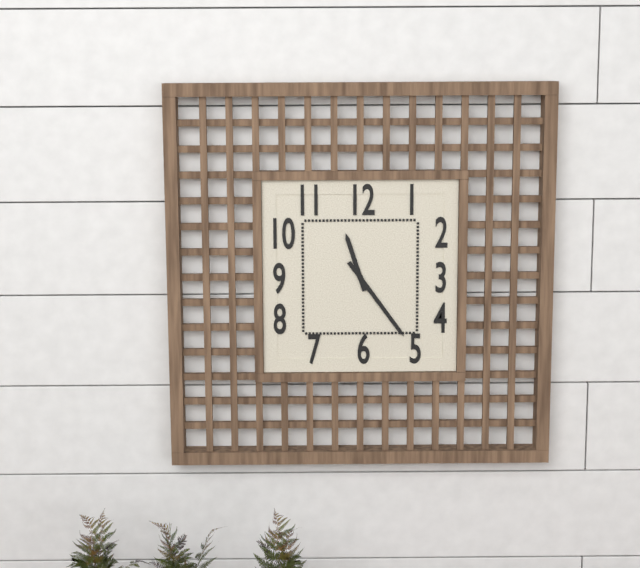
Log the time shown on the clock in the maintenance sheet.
11:24
